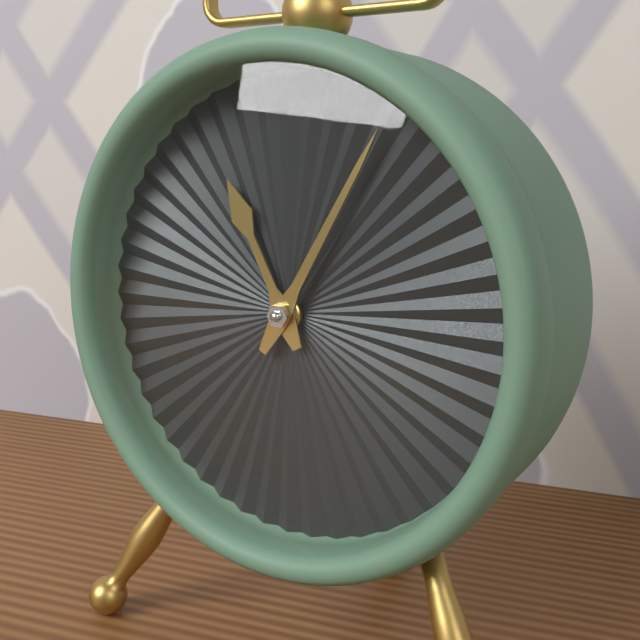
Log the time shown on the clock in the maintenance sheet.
11:05
